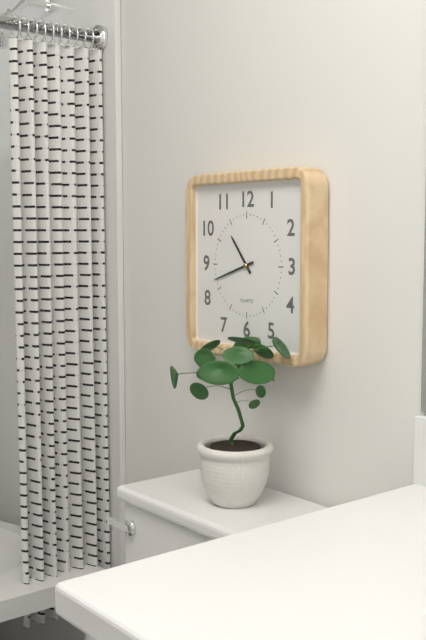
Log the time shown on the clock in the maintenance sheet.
10:42
